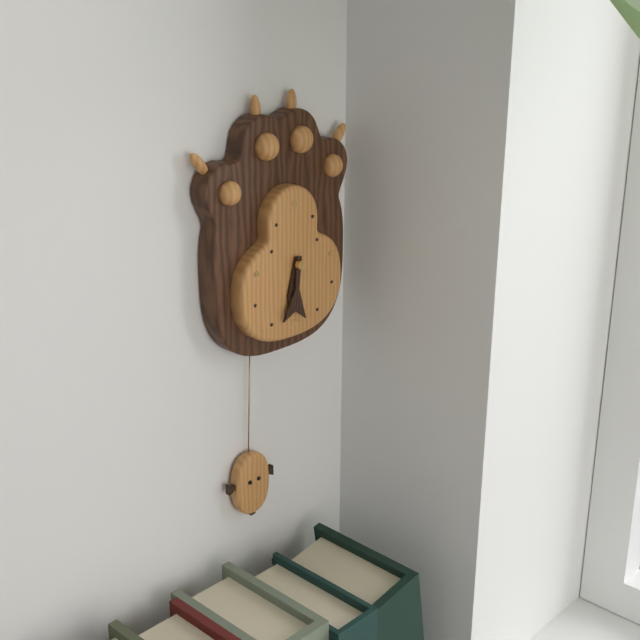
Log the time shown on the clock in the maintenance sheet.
6:31
